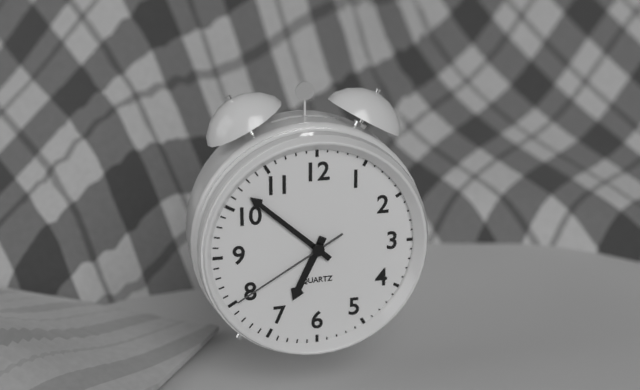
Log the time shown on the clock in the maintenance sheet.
6:52:40
